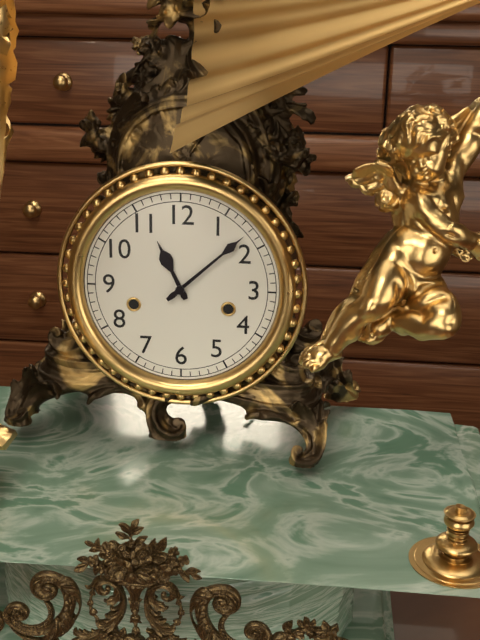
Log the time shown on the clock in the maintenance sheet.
11:08
